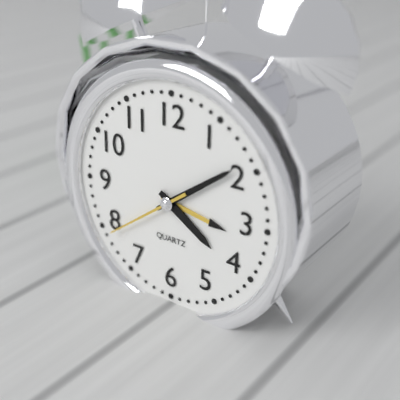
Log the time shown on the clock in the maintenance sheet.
4:09:39
